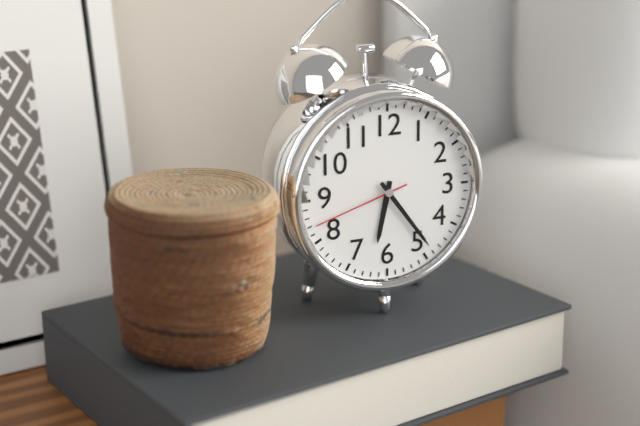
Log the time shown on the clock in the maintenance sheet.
6:24:42
